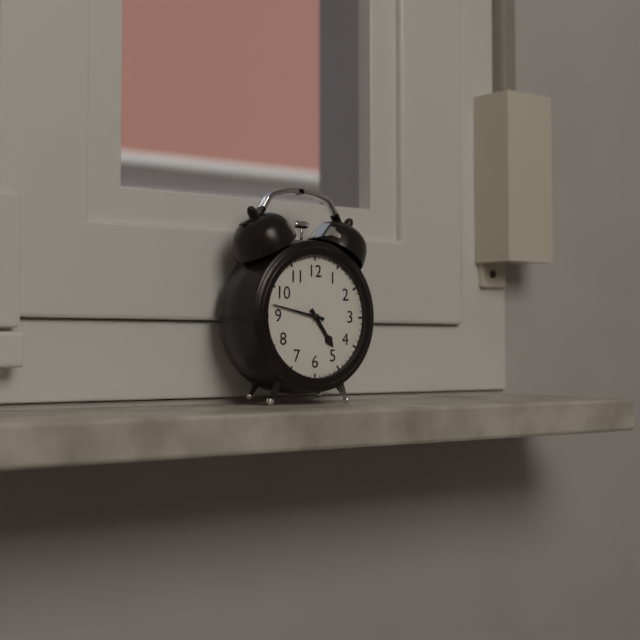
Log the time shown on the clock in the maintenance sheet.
4:47
